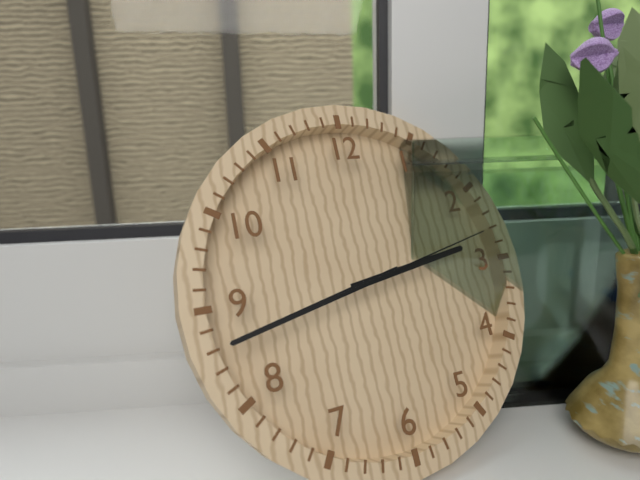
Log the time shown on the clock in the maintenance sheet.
2:43:13
